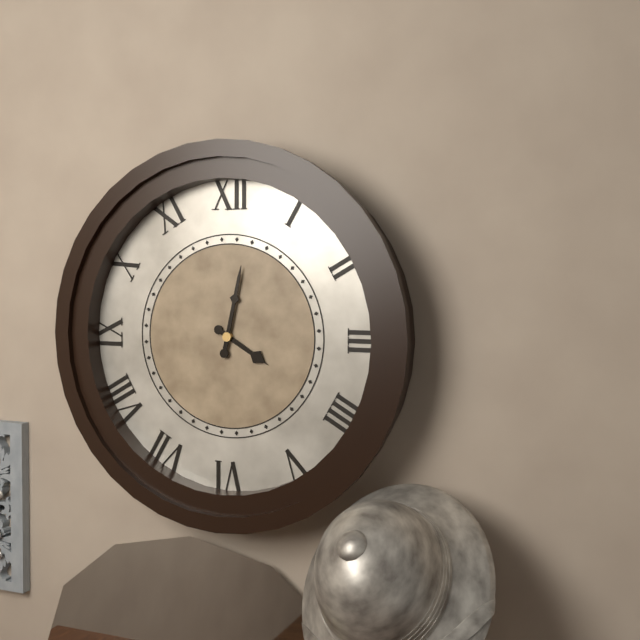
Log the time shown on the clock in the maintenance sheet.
4:02
